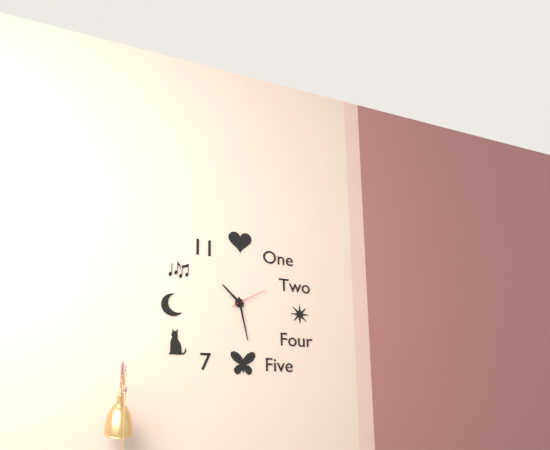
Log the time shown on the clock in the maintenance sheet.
10:28
